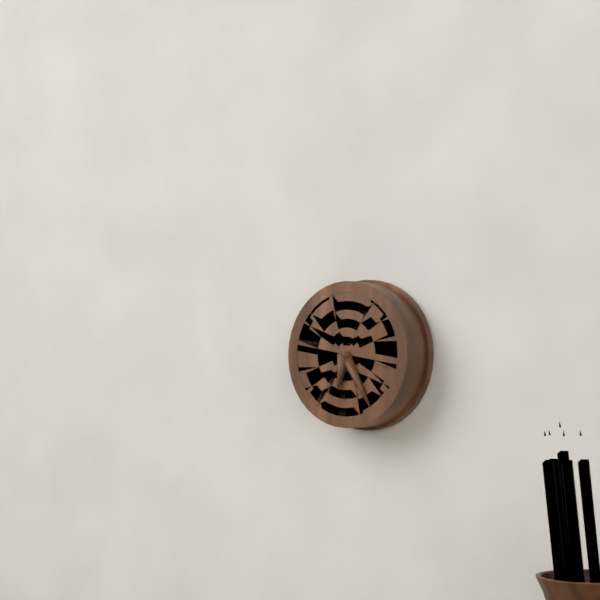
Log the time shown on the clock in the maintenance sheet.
6:25
